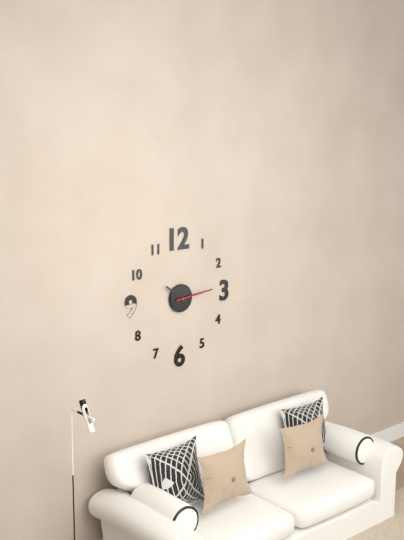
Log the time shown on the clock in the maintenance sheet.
10:14
